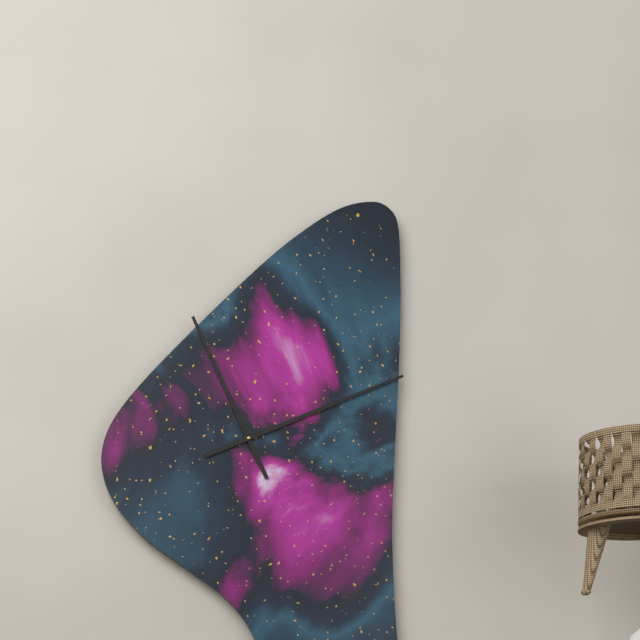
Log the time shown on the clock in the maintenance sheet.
11:11
